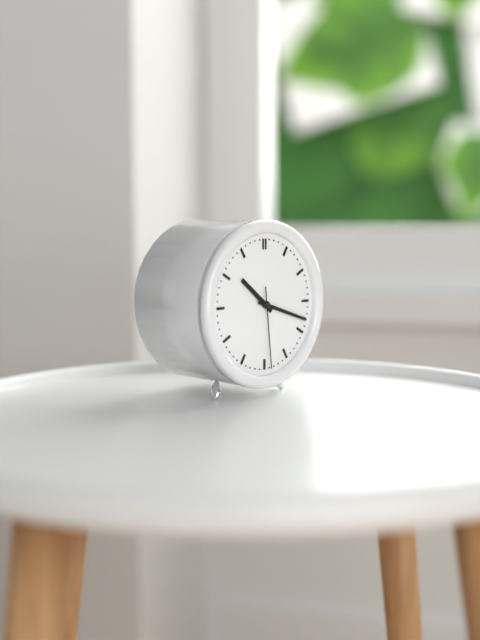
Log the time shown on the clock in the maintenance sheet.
10:18:29
